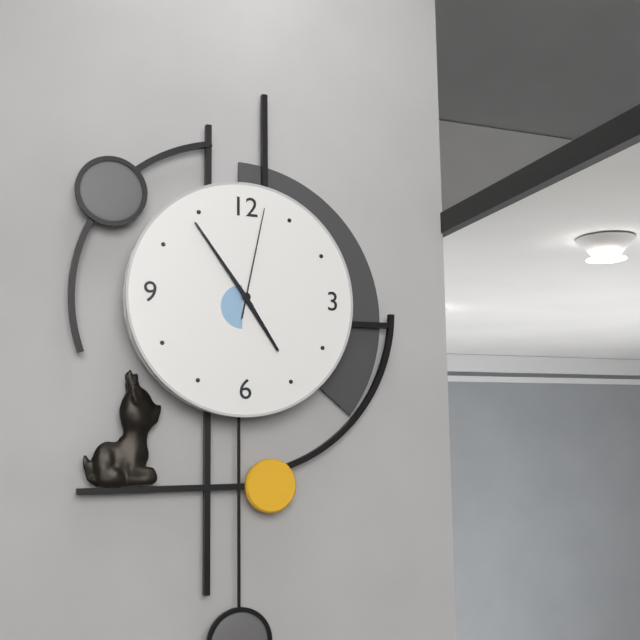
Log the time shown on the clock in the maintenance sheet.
4:54:02
